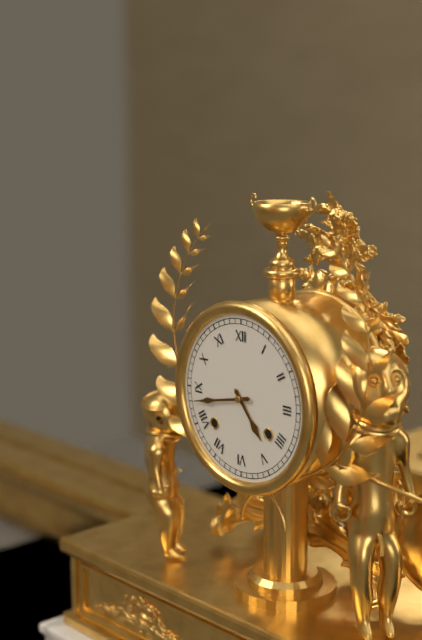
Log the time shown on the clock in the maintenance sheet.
4:43
